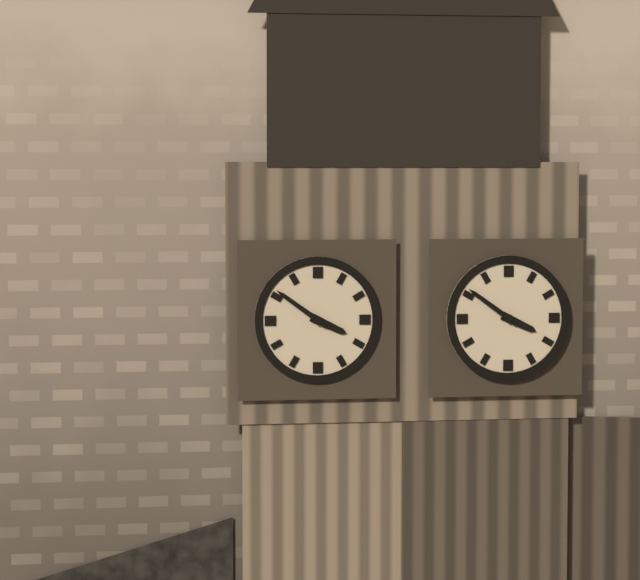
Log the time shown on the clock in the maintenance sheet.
3:51
